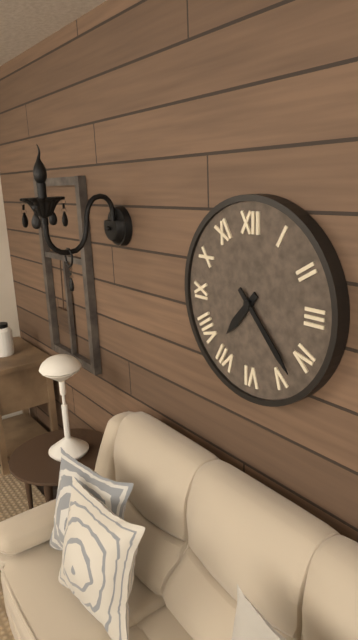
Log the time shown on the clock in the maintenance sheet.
7:23
